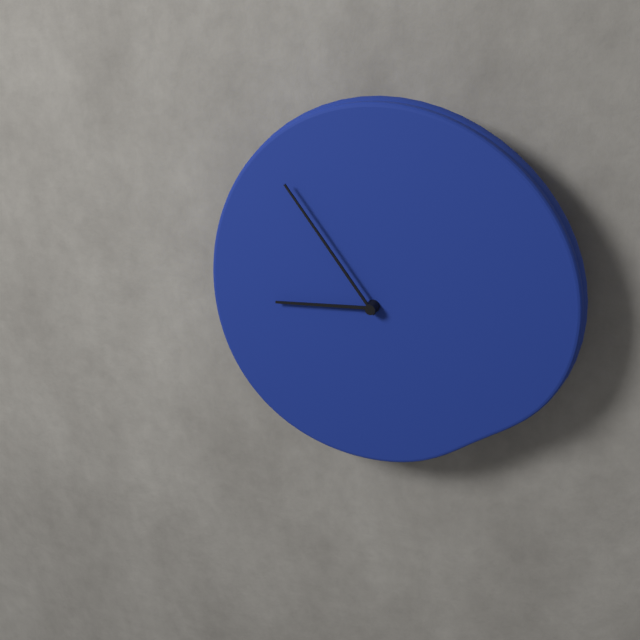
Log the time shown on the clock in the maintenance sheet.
8:54
